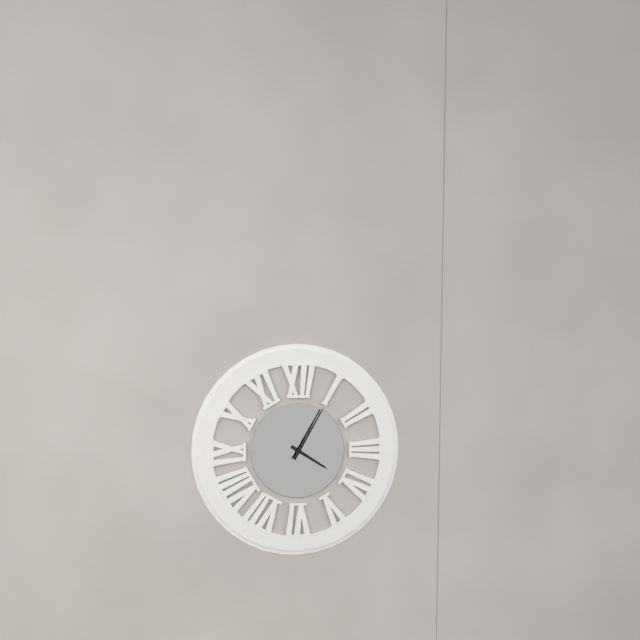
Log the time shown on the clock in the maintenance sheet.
4:05
